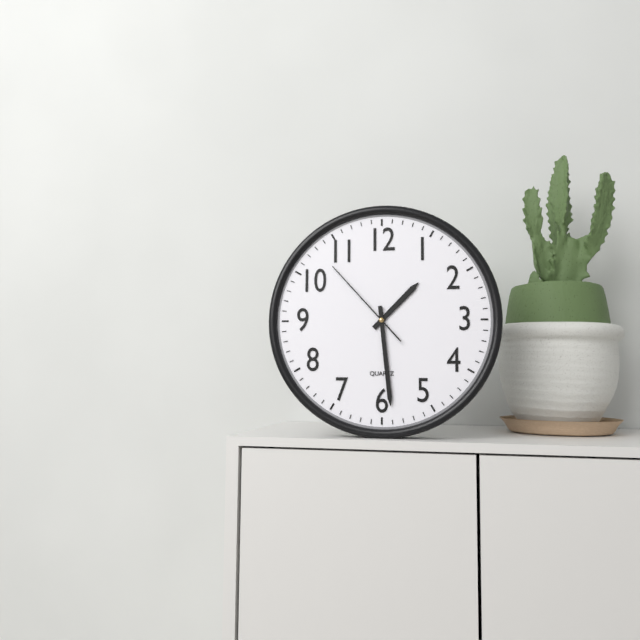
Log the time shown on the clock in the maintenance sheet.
1:29:53
